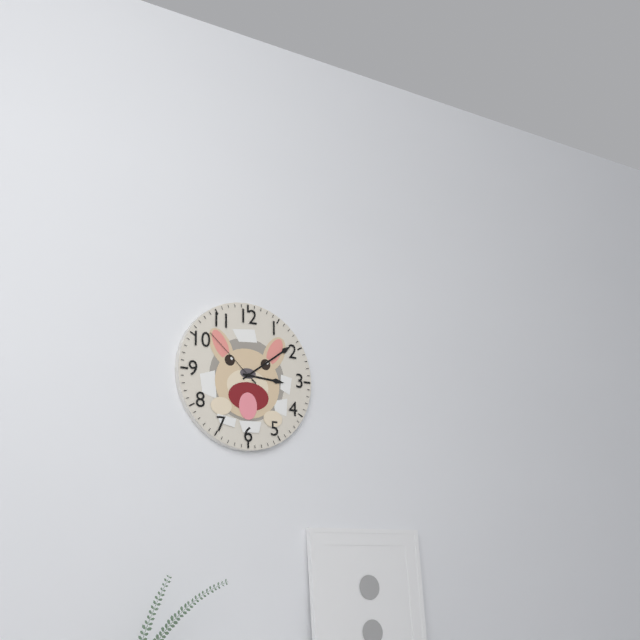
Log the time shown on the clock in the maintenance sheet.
3:09:52
